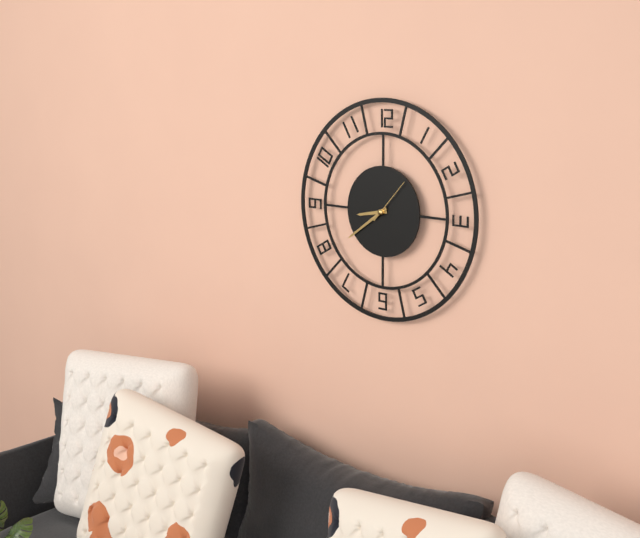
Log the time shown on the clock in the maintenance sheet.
8:39
